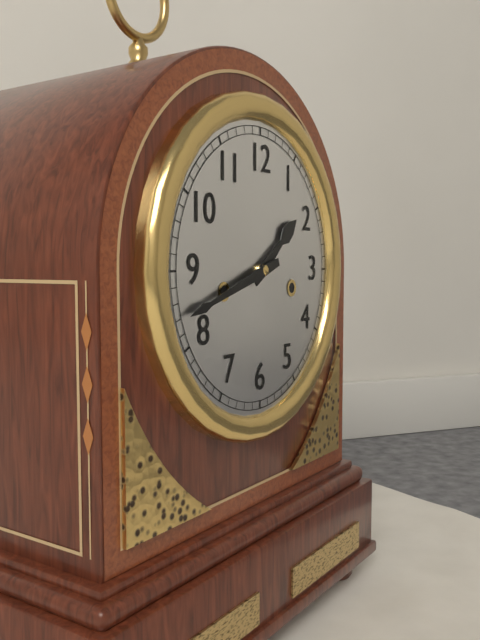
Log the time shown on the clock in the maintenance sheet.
1:42
